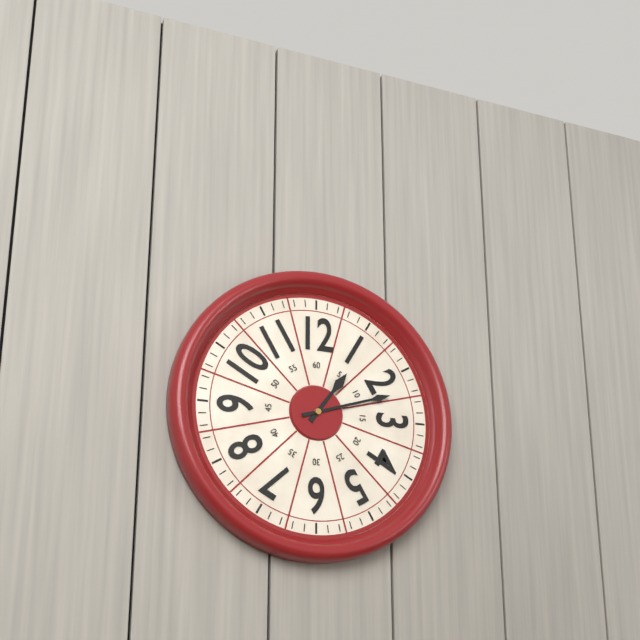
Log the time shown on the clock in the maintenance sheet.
1:12
